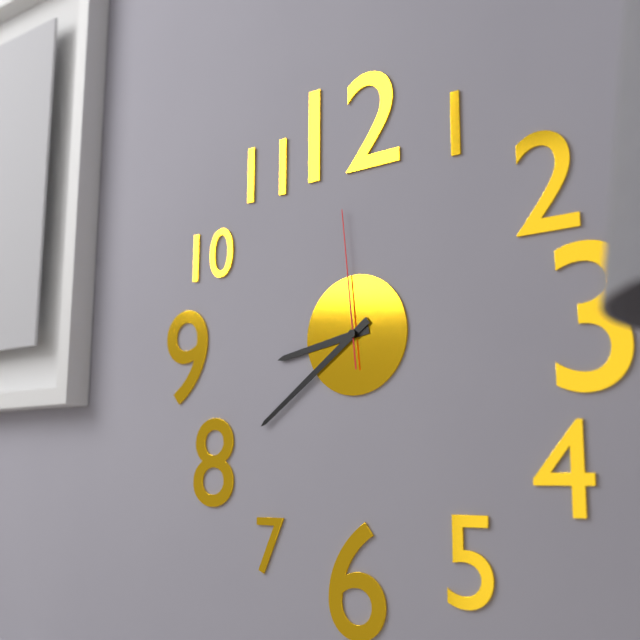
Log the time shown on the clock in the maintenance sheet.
8:39:59
